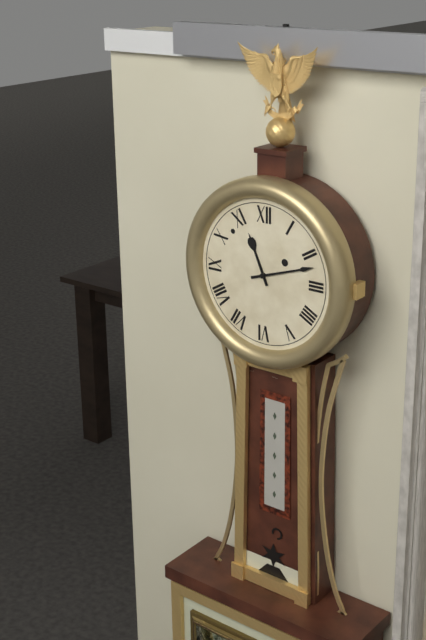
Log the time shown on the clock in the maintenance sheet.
11:12
